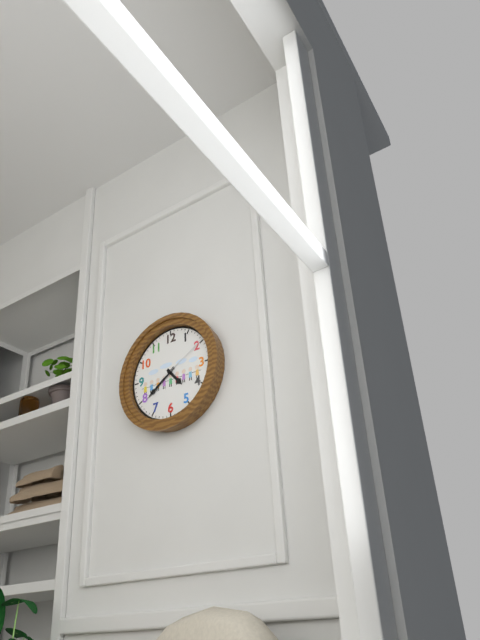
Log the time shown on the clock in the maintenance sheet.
4:39:10
